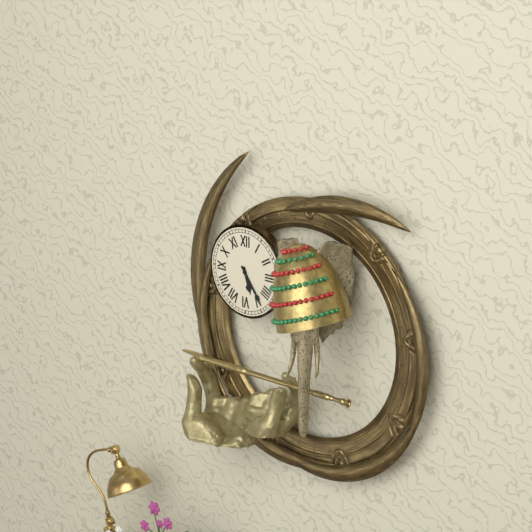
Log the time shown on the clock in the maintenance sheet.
5:24
